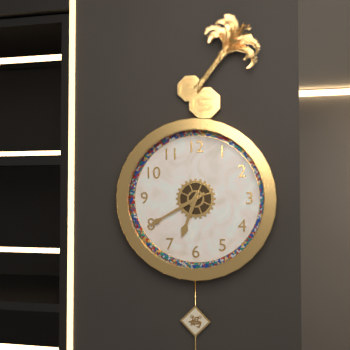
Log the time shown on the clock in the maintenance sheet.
6:40
